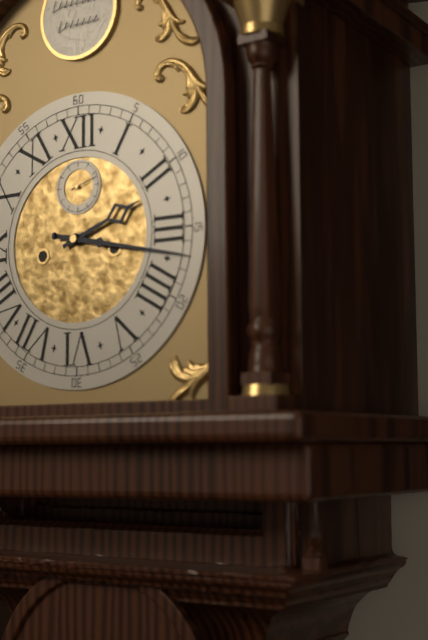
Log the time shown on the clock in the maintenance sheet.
2:17:12
